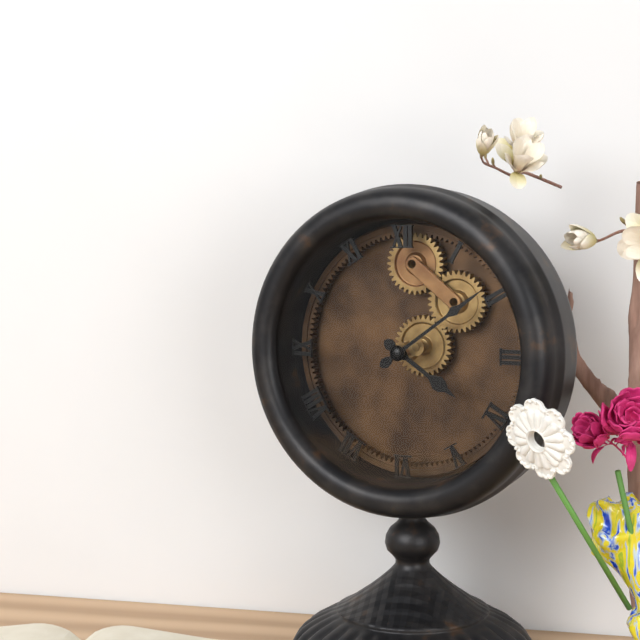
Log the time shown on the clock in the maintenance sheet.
4:09
